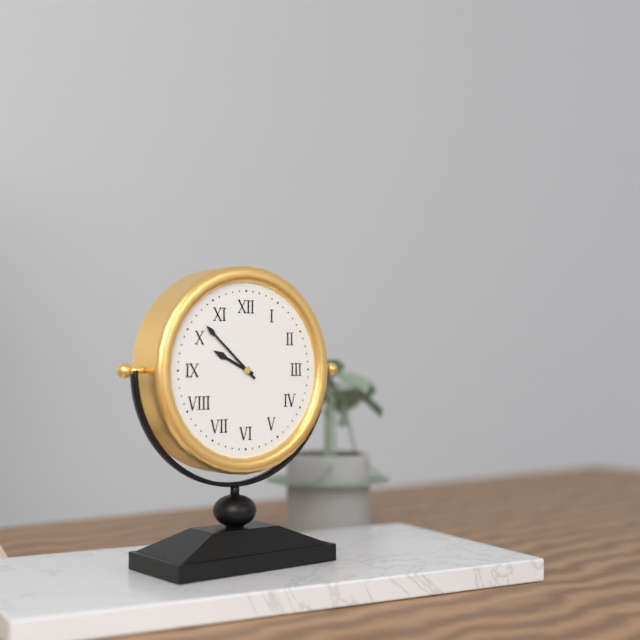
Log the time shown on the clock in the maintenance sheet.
9:52
